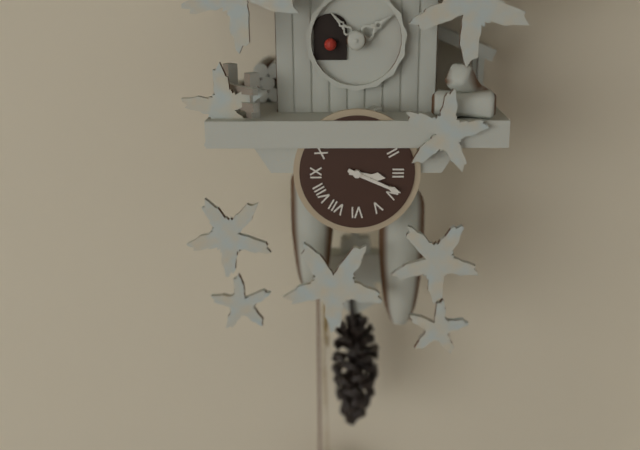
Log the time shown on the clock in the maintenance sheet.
3:19
